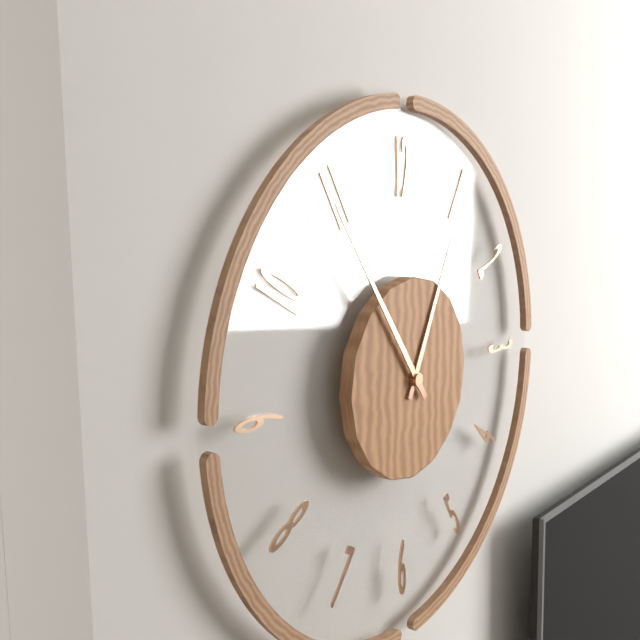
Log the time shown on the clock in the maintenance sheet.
12:54
